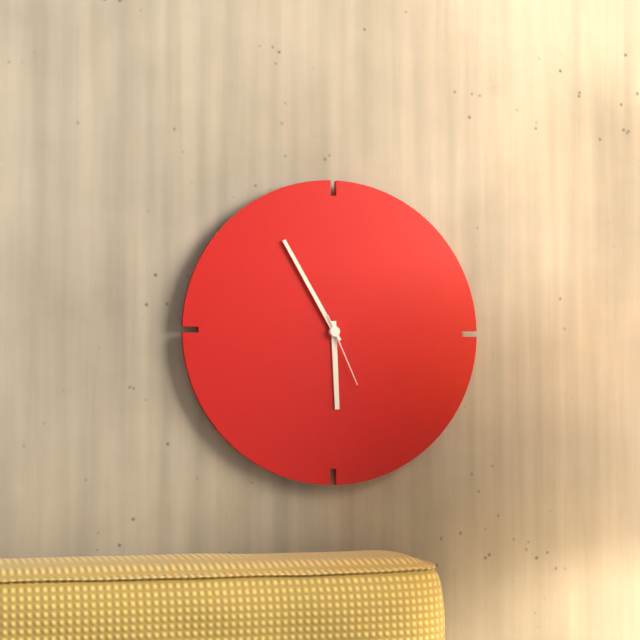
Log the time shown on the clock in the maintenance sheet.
5:55:26
